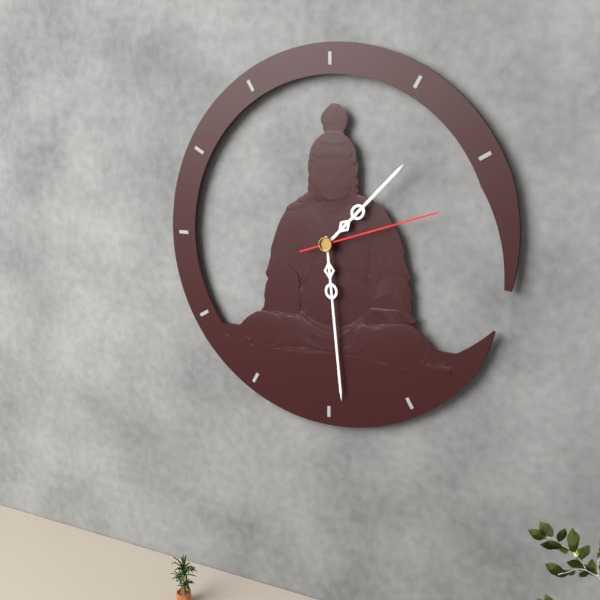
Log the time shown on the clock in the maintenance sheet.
1:29:12
